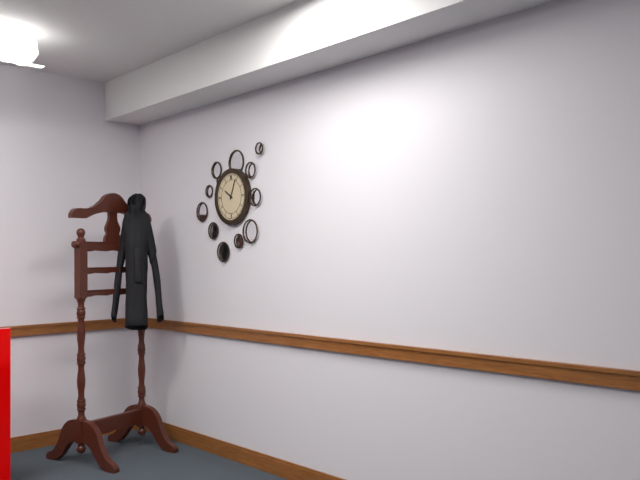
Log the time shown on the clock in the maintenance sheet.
10:04
